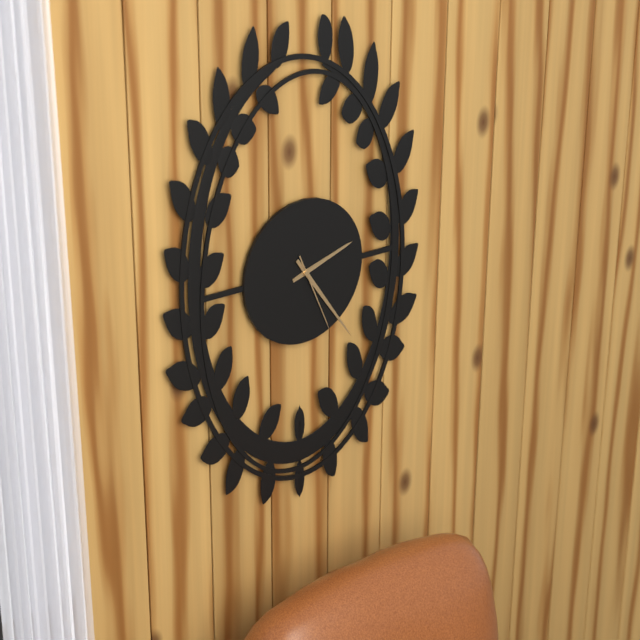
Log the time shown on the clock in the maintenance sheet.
2:24:26
